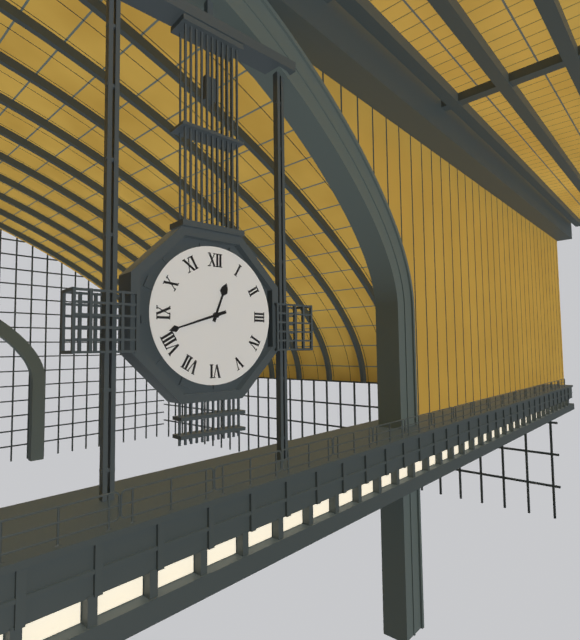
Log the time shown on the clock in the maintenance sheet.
12:42
